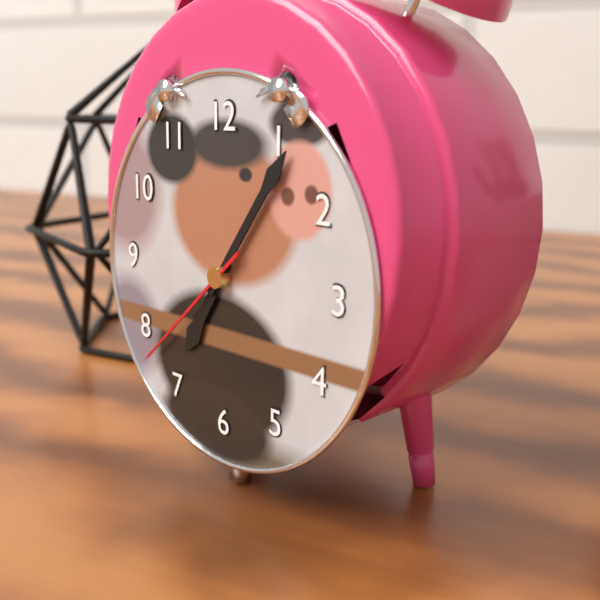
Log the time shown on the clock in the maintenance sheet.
7:06:38
